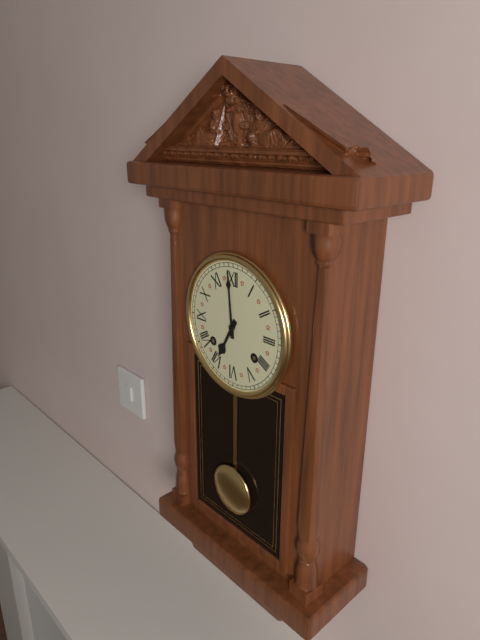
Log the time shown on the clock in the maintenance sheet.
6:59
